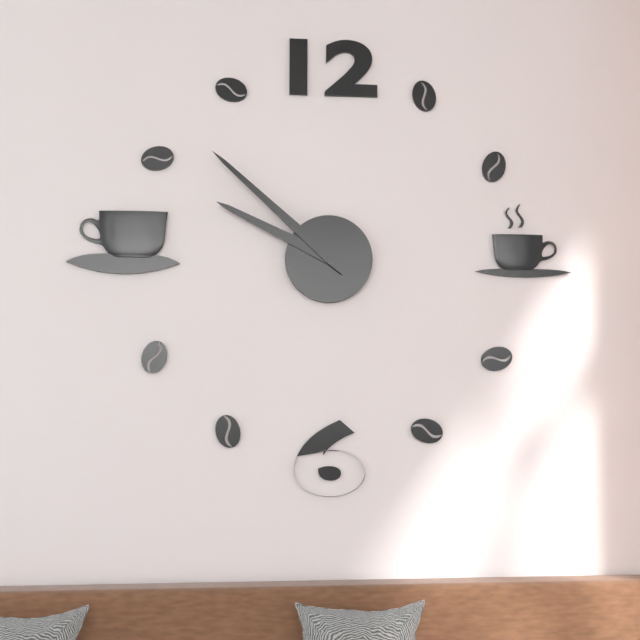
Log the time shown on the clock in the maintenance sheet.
9:52
